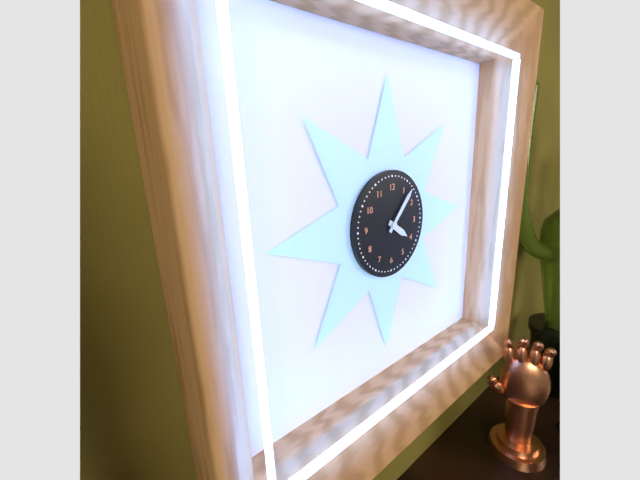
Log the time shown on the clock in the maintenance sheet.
4:07
